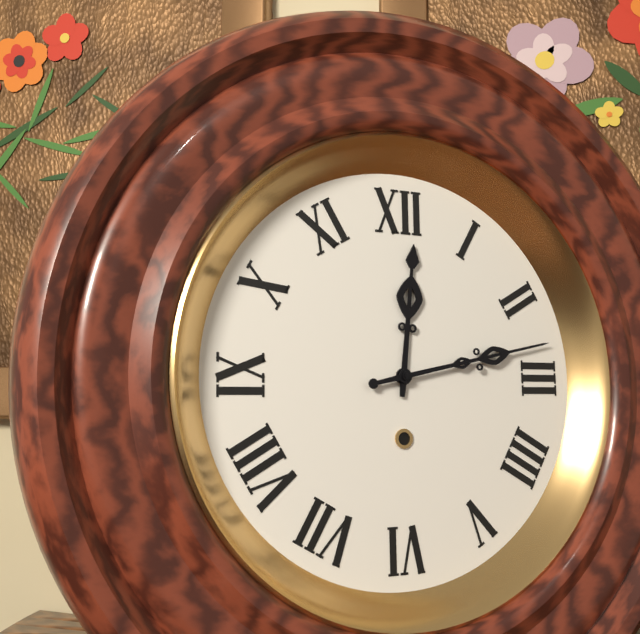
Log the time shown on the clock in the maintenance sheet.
12:13
